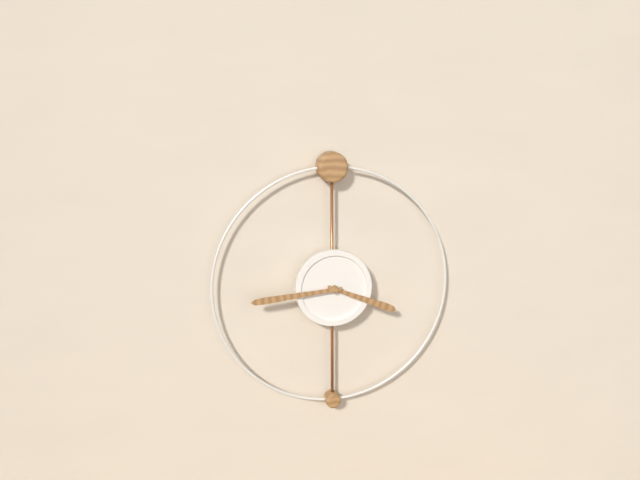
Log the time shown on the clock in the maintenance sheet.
3:44
